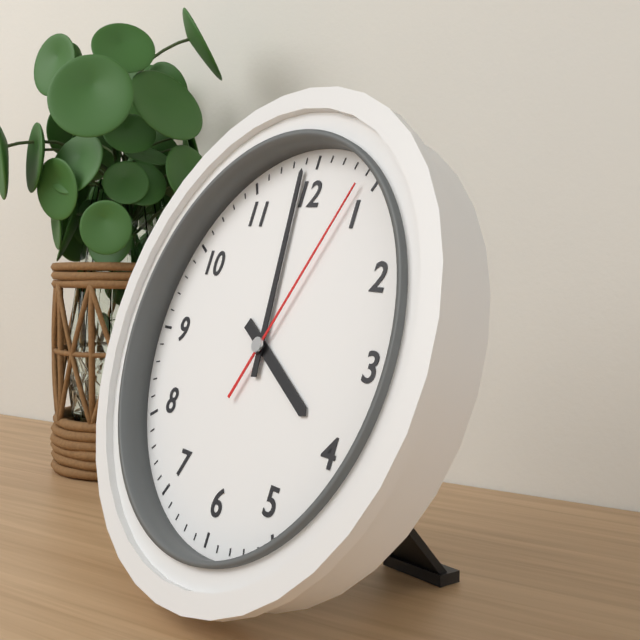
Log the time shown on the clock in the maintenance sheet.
3:59:04
